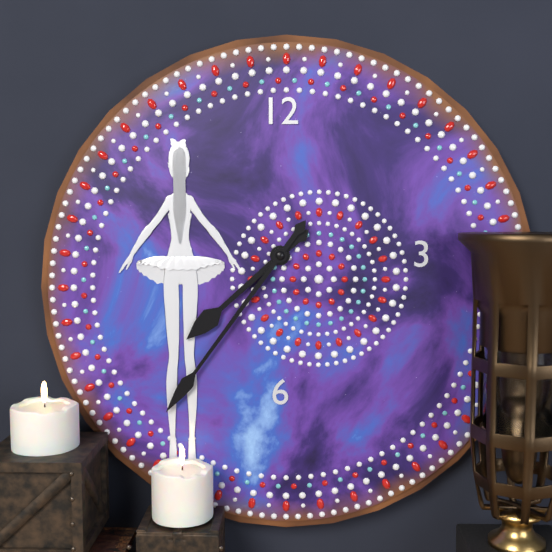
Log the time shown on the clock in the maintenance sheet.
7:36
